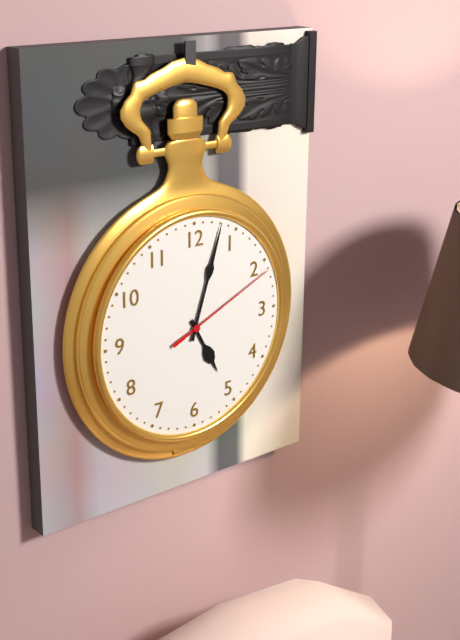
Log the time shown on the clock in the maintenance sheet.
5:03:11
